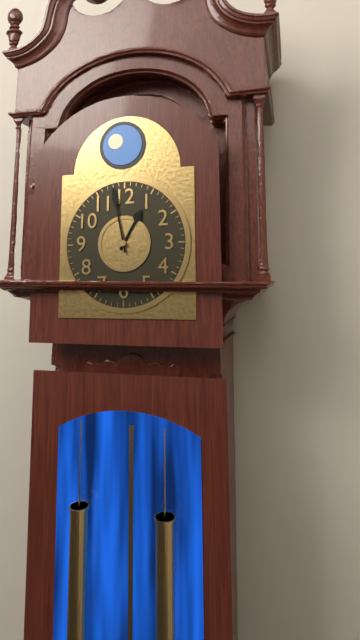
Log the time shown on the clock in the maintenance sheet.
12:58
